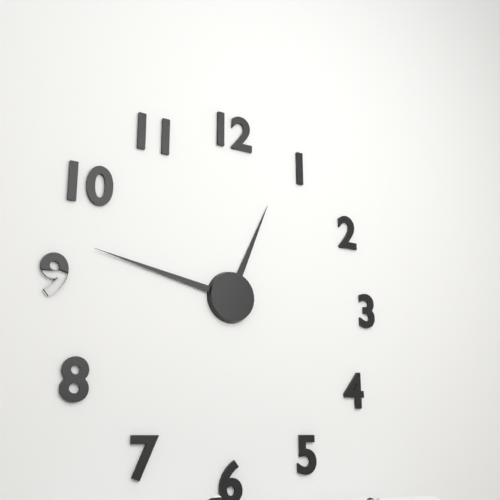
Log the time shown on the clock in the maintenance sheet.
12:47
